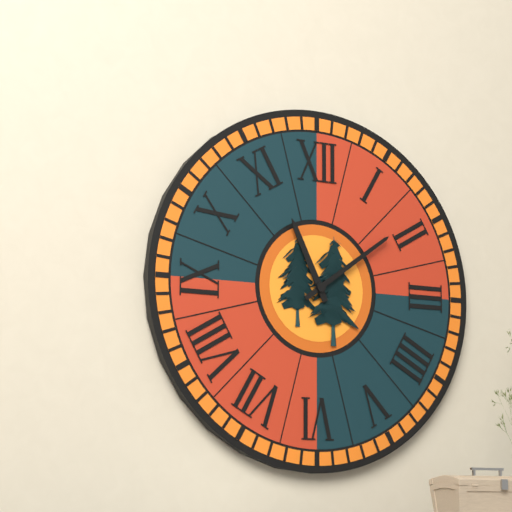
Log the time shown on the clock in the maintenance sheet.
11:09
